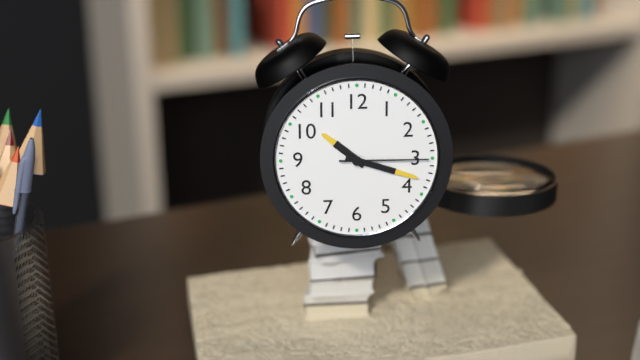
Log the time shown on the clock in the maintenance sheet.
10:18:15
